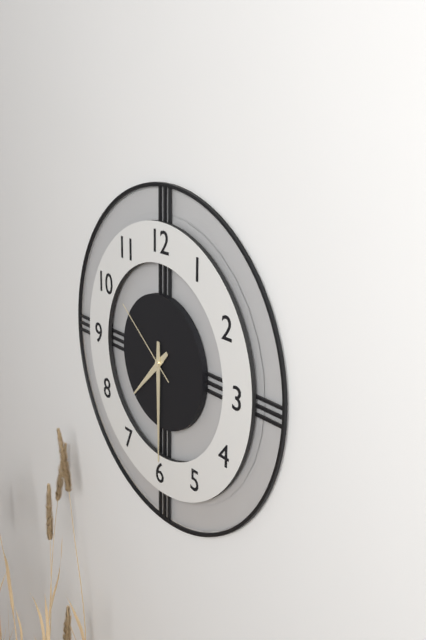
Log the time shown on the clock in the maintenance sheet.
7:30:51
